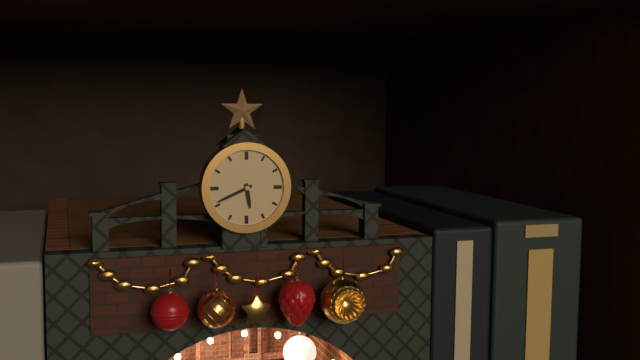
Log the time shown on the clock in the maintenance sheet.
5:41
